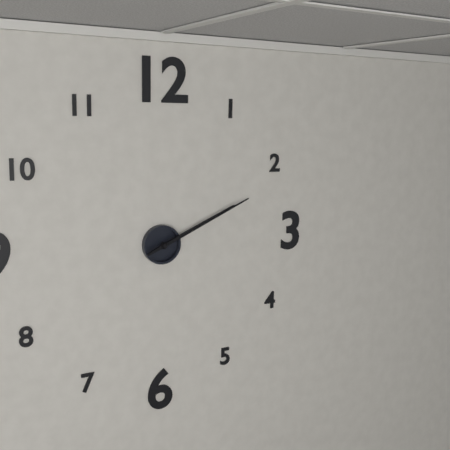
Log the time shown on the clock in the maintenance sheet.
2:11
